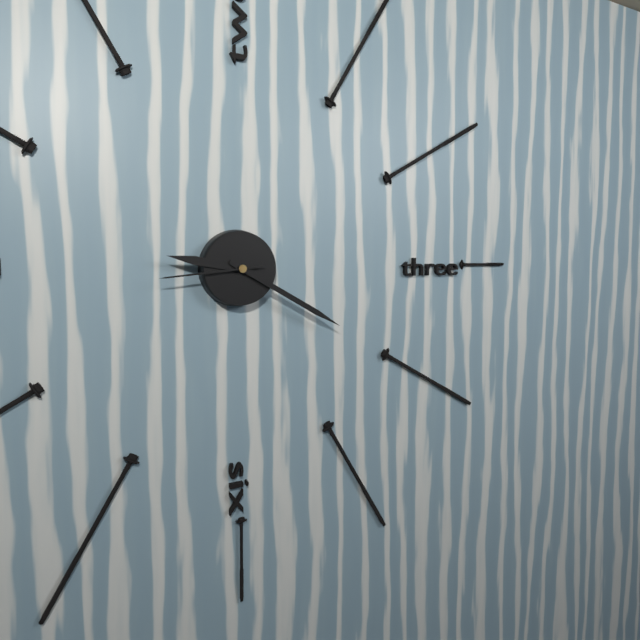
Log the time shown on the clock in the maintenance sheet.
9:20:44
